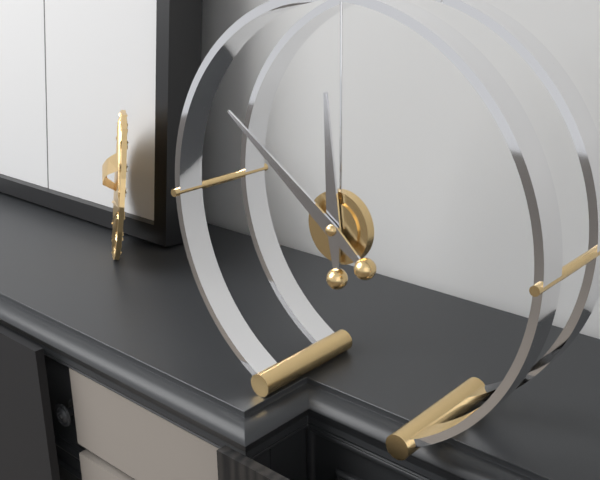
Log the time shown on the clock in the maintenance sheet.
11:51
